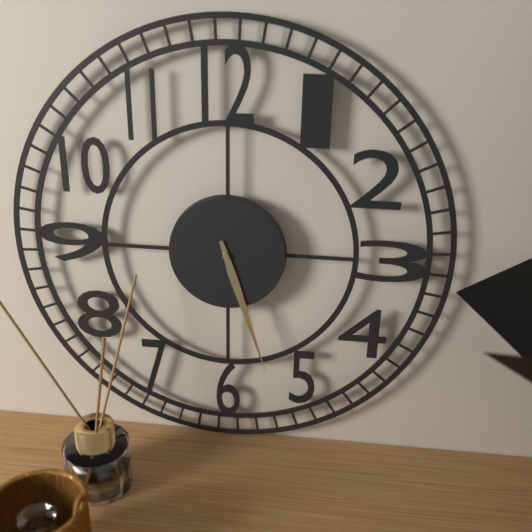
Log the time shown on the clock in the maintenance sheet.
5:27
